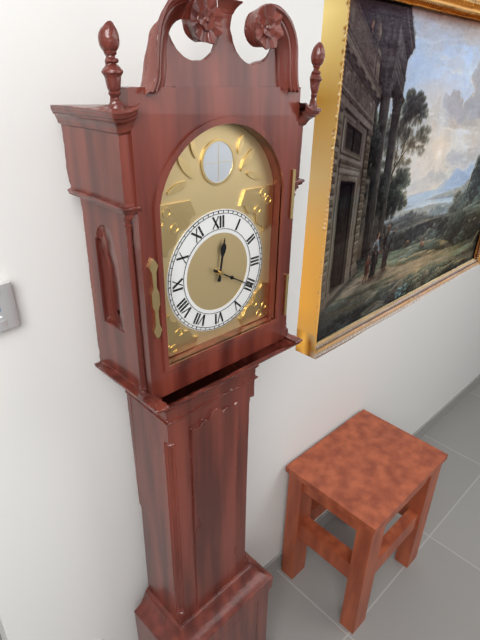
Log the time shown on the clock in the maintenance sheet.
12:20
